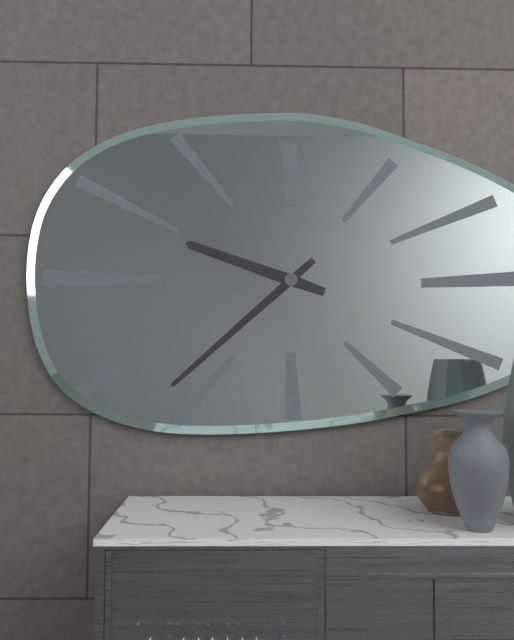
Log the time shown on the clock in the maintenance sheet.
9:38
